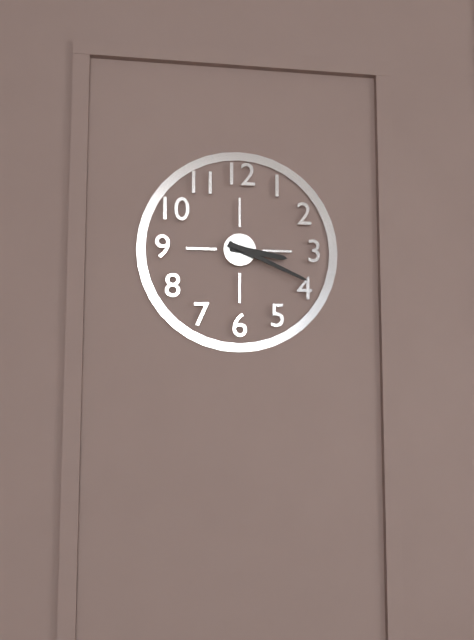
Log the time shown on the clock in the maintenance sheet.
3:19
